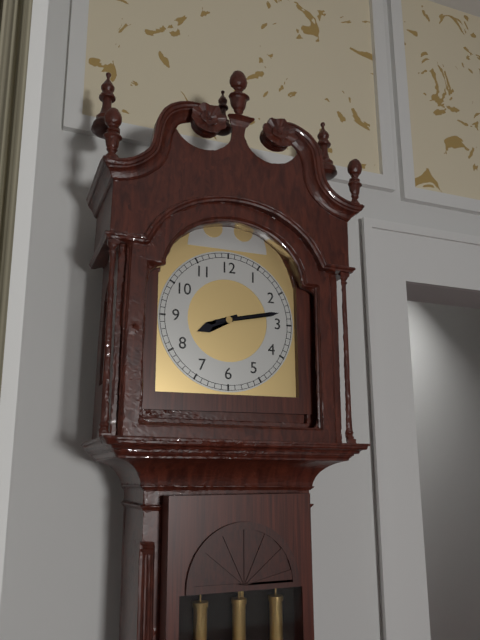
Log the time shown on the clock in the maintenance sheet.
8:13
